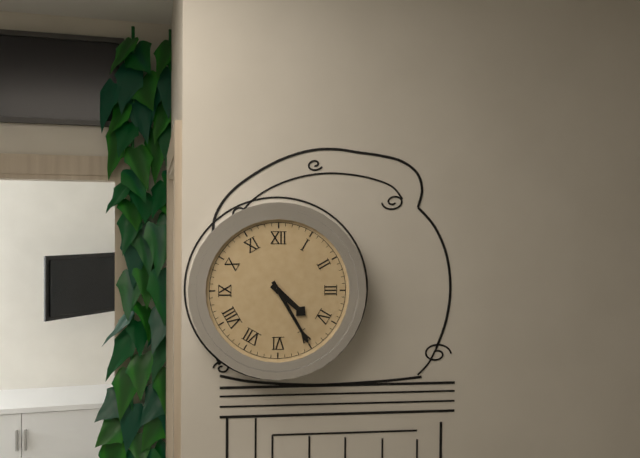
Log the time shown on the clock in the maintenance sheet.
4:25
